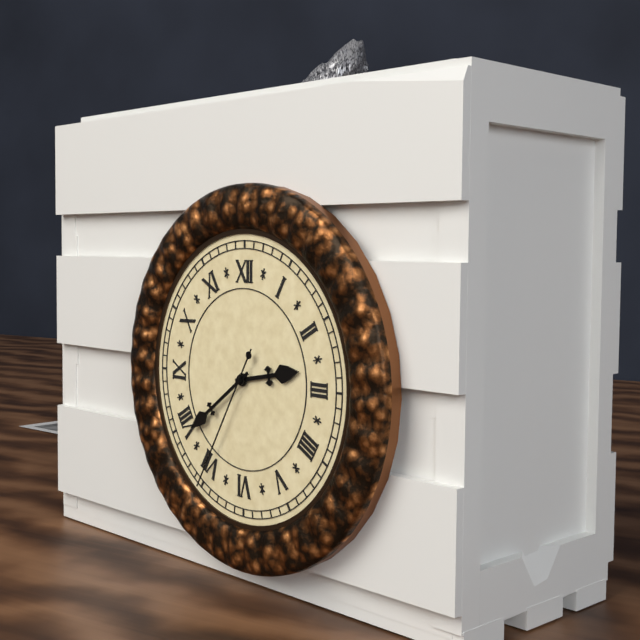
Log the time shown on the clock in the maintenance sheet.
2:39:35
